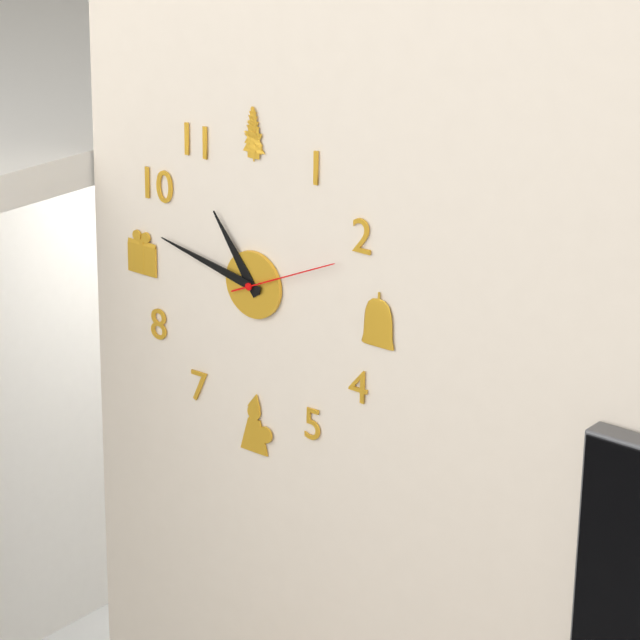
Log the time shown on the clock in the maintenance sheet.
10:47:11
